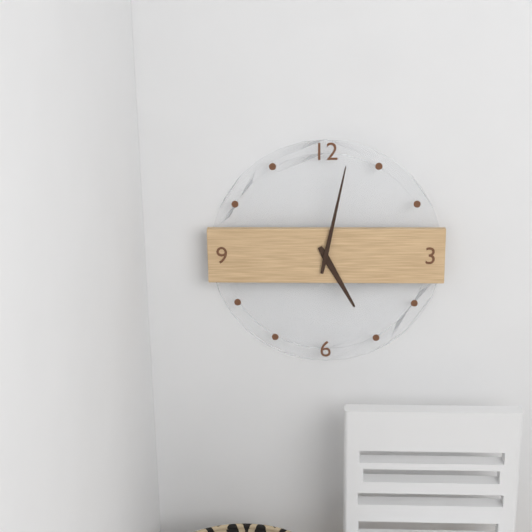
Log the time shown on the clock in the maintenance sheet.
5:02
